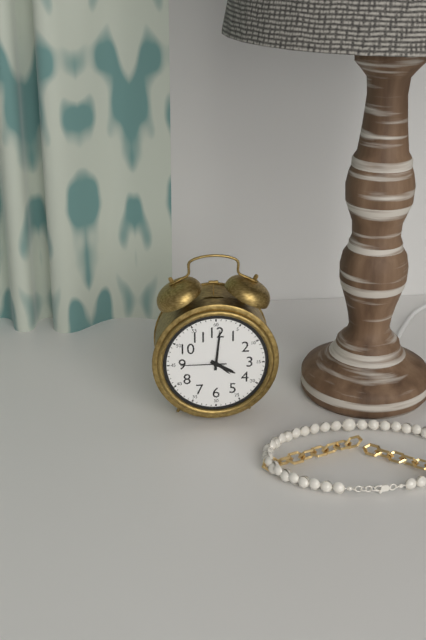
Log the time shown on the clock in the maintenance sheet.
4:01
